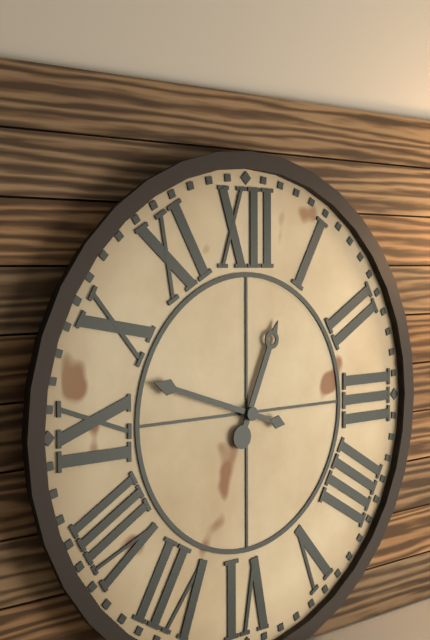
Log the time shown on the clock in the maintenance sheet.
12:48
